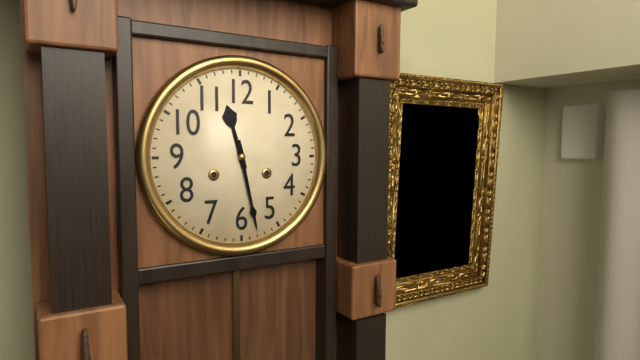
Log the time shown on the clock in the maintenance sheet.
11:28
